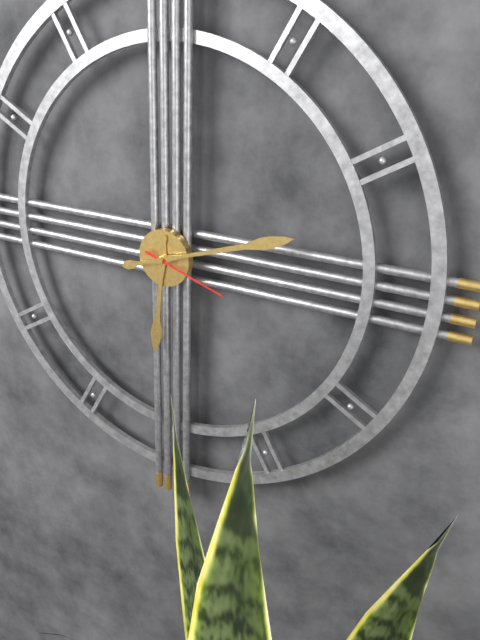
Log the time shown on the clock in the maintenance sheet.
6:12:18
